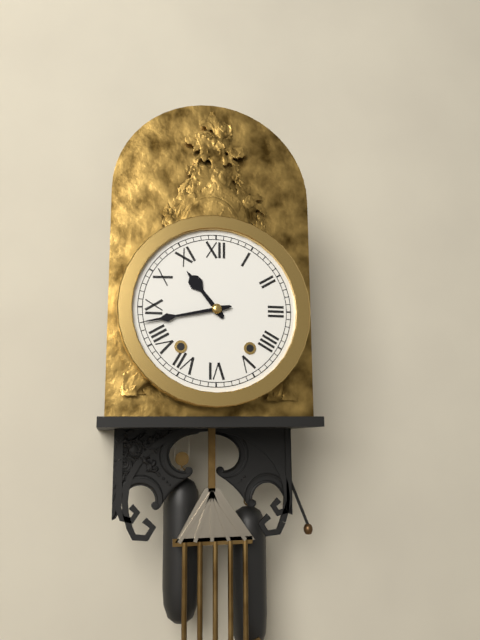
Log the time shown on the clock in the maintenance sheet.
10:43
